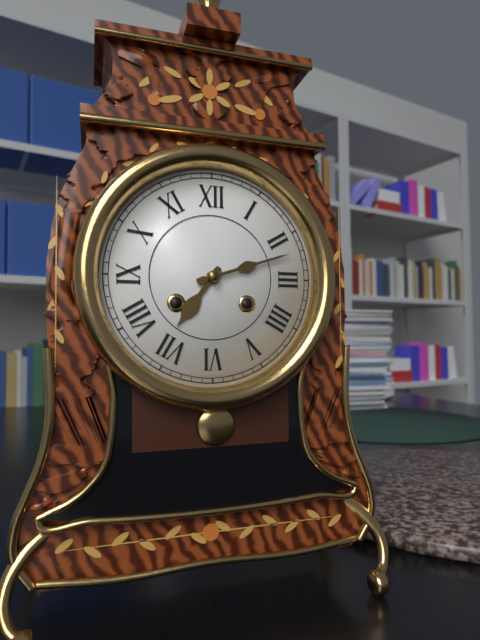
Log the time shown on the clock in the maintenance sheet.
7:12
